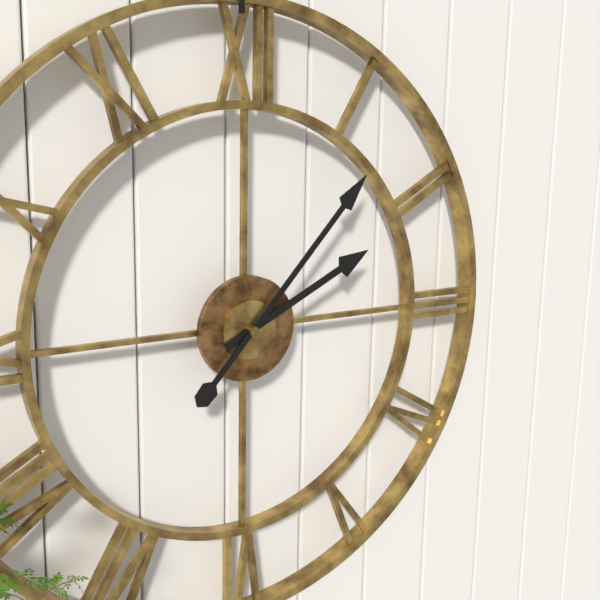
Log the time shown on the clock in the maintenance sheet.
2:07
